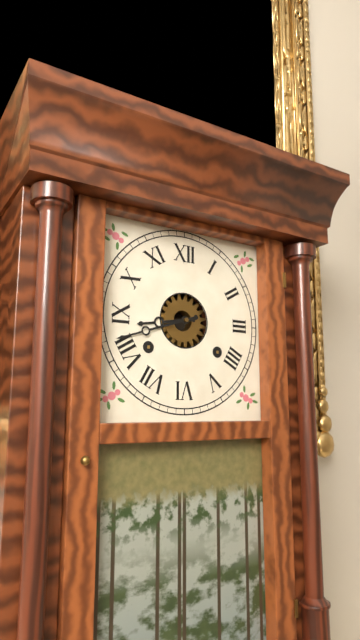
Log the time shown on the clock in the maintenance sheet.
8:42
